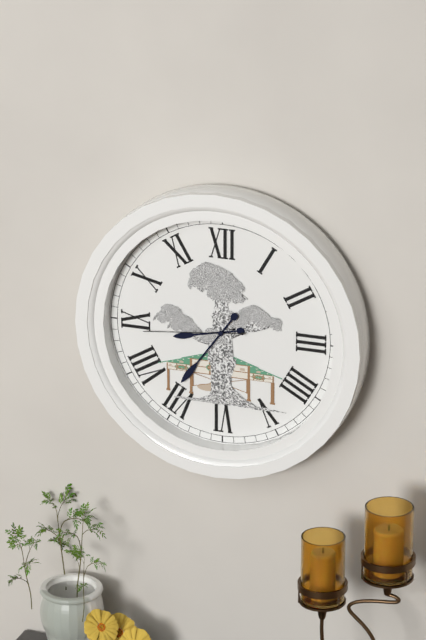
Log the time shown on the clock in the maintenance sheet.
8:36:44
